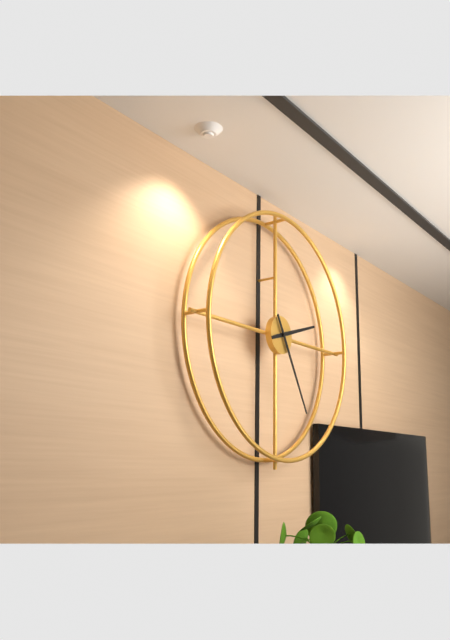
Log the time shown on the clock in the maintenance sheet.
2:25
